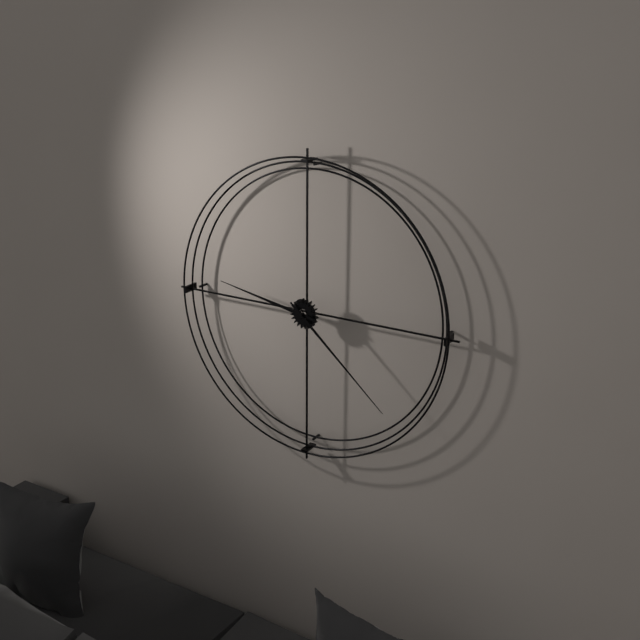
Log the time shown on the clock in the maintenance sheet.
9:22
